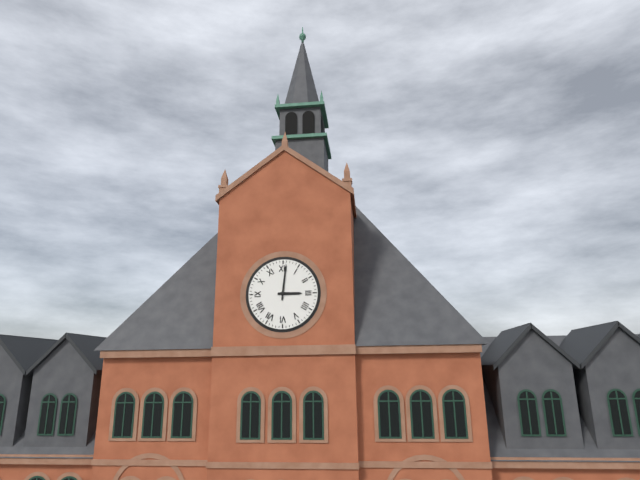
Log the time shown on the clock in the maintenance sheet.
3:01
